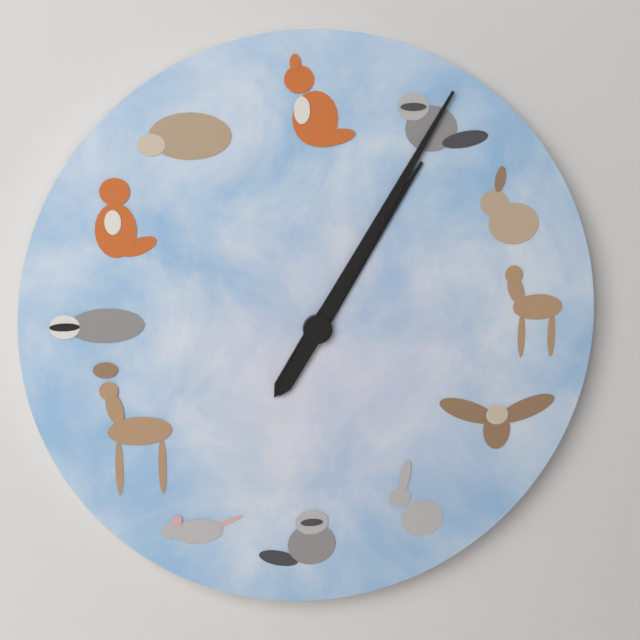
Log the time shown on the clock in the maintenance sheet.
1:05
